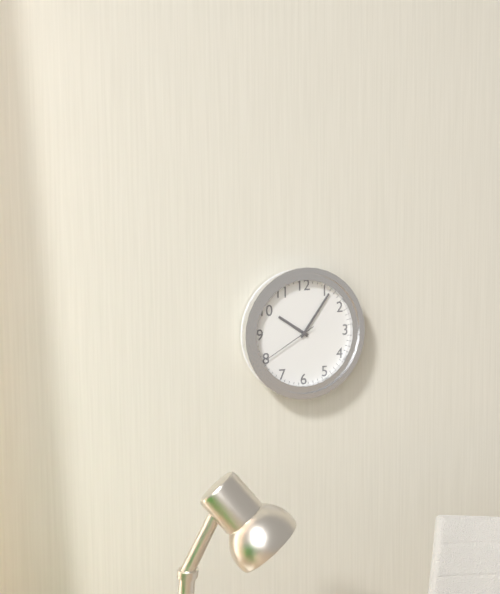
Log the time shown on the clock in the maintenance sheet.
10:06:40
